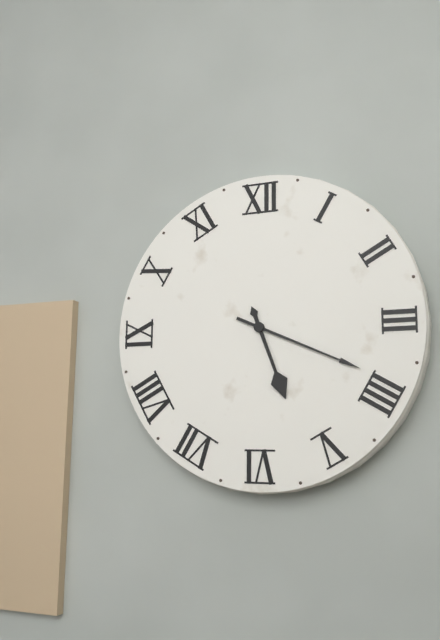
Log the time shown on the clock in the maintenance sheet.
5:19
